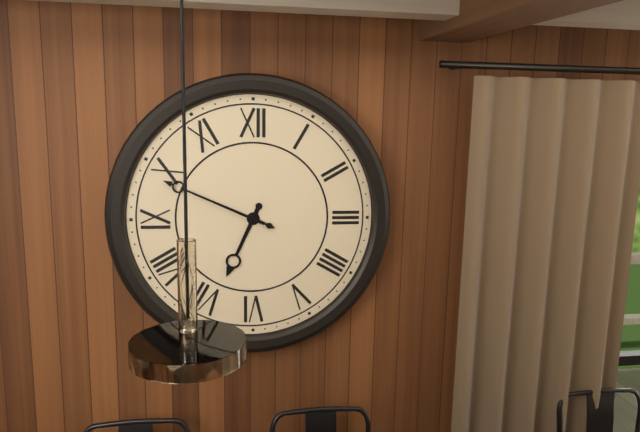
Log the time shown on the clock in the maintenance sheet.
6:49
